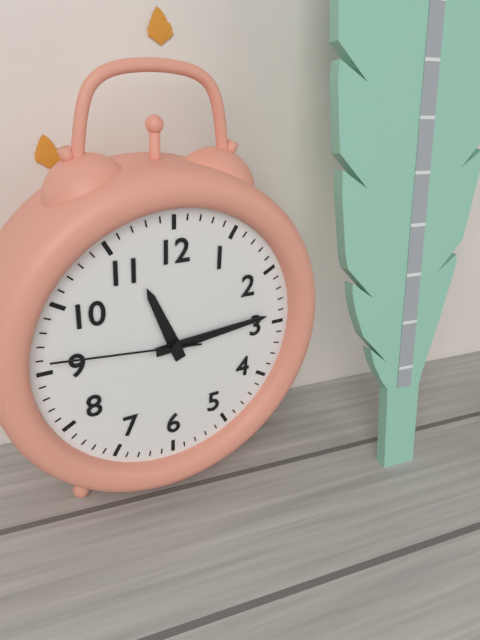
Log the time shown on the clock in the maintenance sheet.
11:14:46
